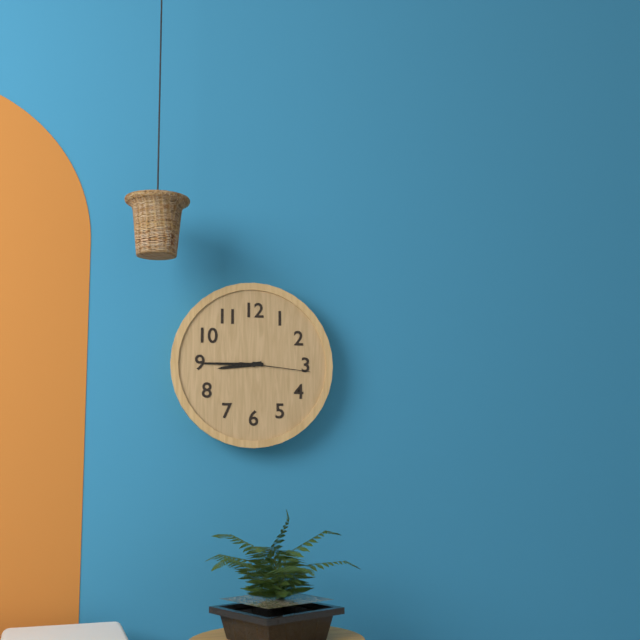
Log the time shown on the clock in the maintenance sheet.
8:45:16
